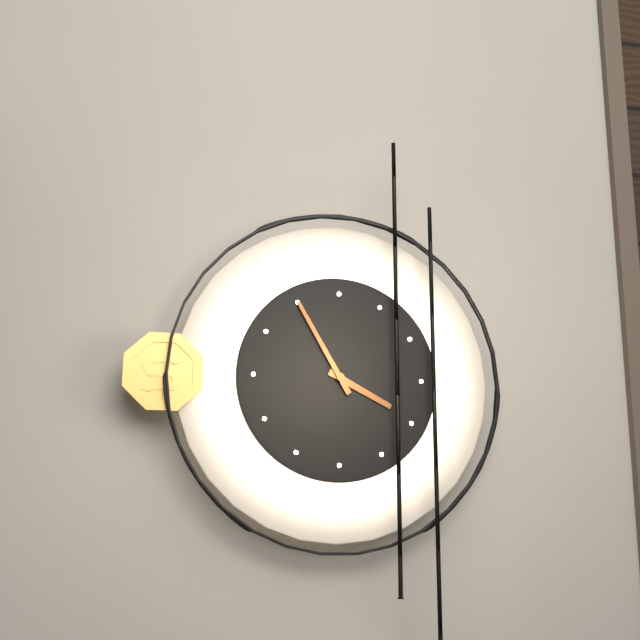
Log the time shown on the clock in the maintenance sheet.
3:55
